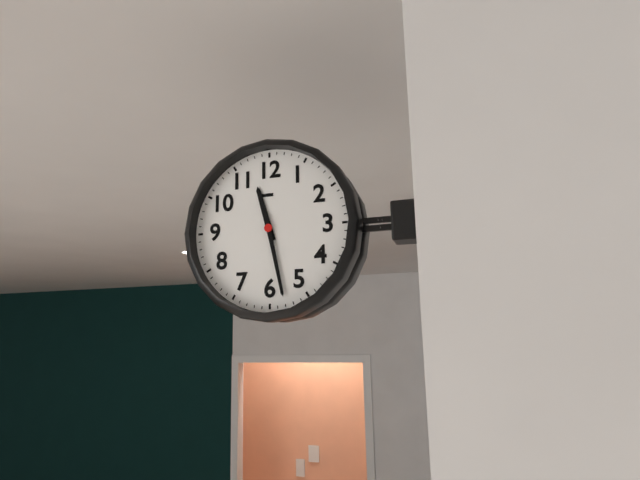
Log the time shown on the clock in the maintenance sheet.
11:28
